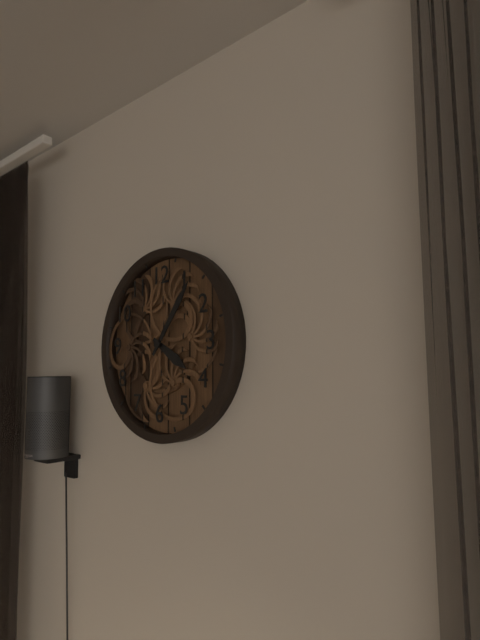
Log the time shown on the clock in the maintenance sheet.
4:06
